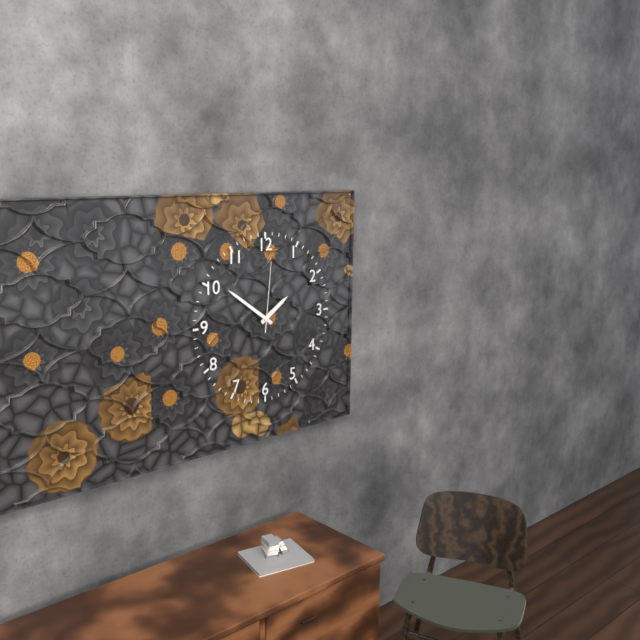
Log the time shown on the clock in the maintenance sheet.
1:51:01
